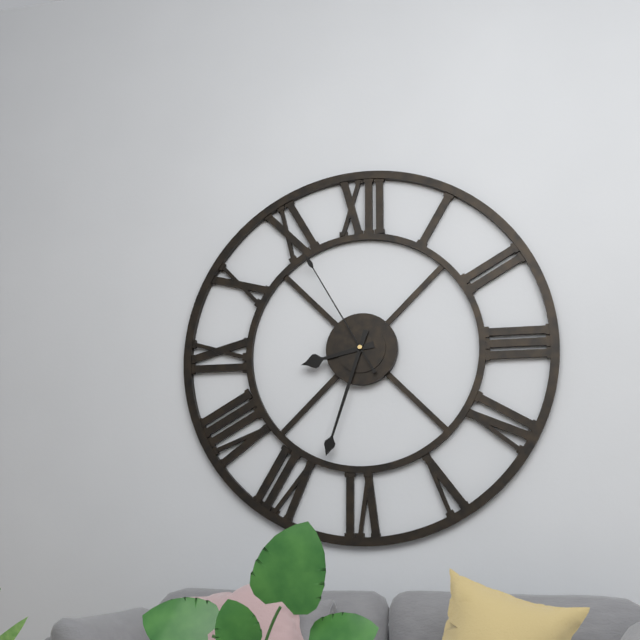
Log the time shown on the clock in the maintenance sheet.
8:33:55
